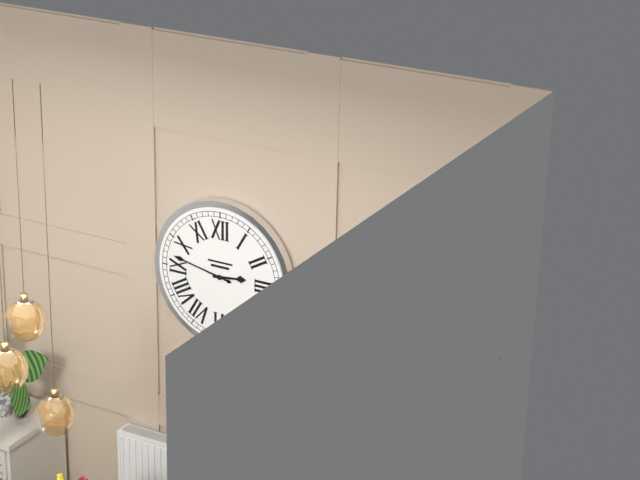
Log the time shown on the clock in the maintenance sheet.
2:47
